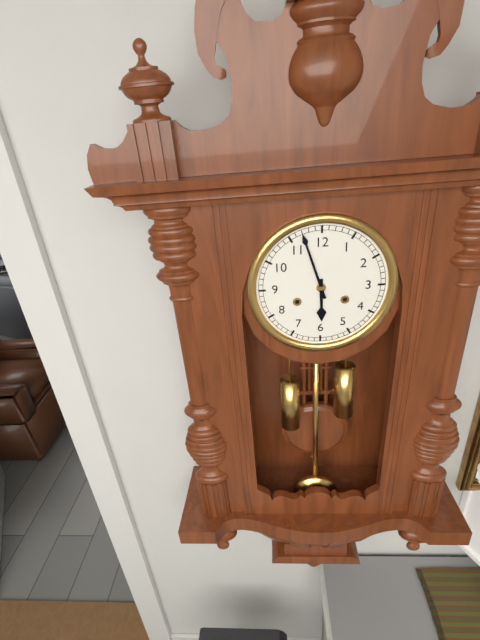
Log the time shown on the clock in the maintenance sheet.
5:57
